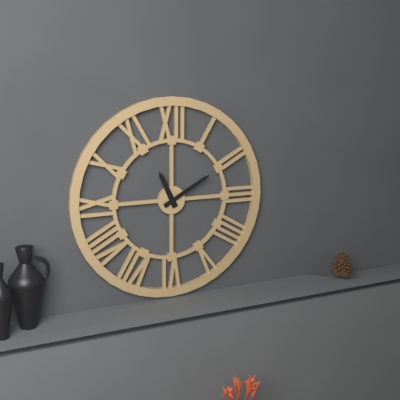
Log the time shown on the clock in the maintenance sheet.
11:10
